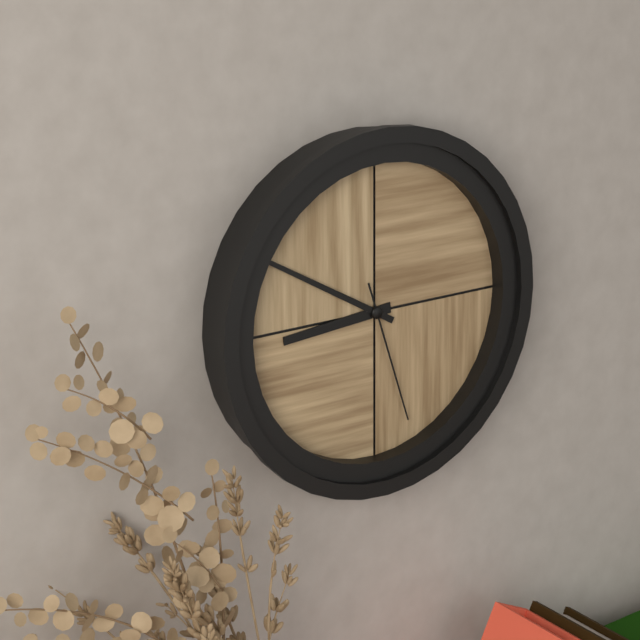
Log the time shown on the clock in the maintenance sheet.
8:50:27
